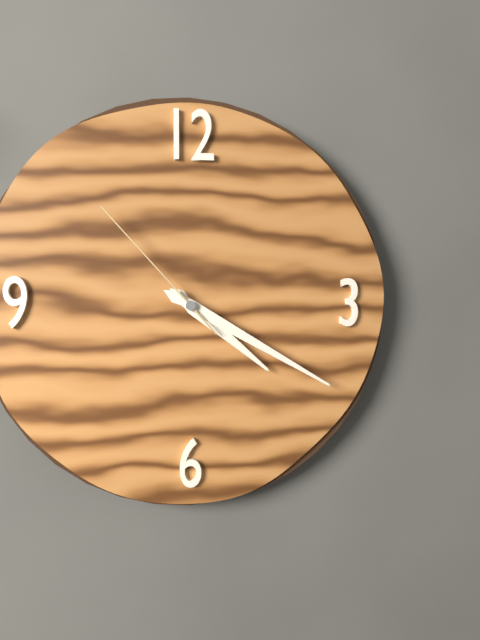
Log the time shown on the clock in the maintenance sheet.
4:20:53
